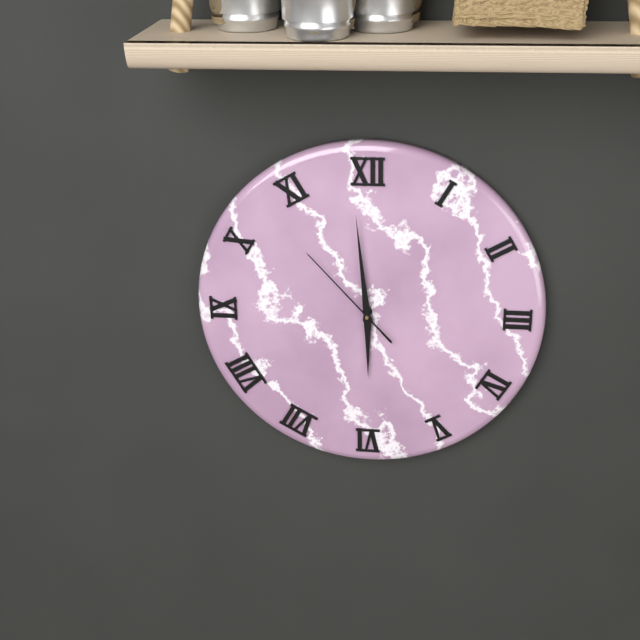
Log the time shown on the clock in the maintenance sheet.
5:59:53
